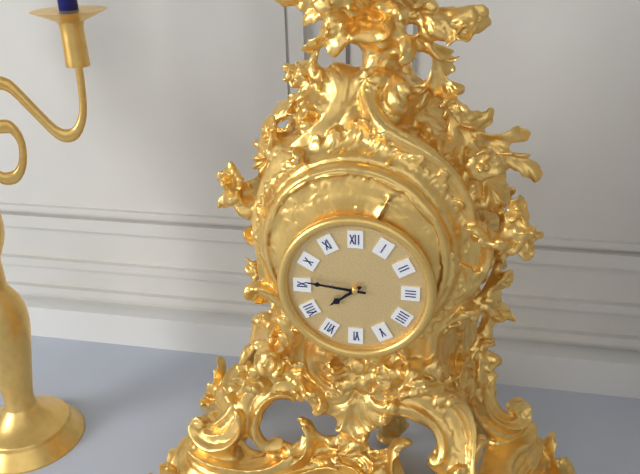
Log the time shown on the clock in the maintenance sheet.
7:46
